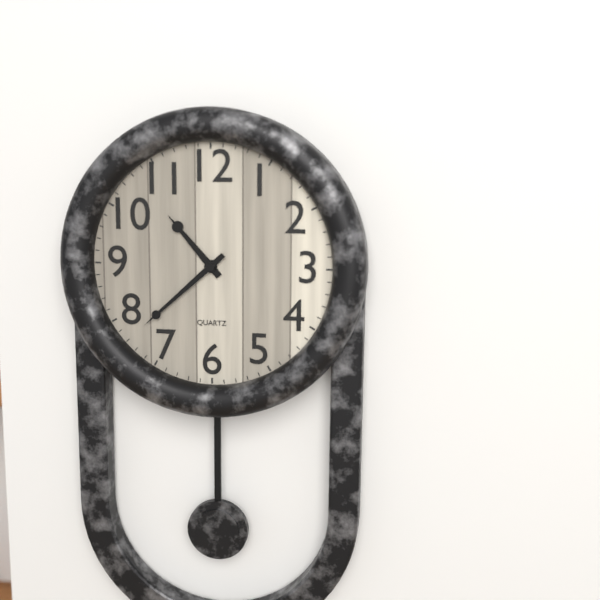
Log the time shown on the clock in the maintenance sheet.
10:38
